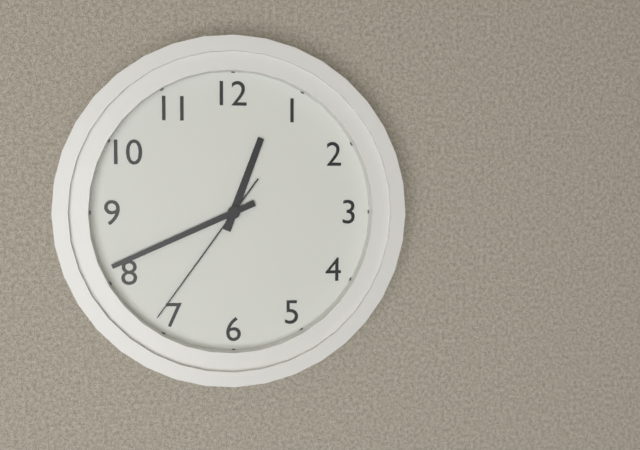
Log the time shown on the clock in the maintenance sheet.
12:41:36
